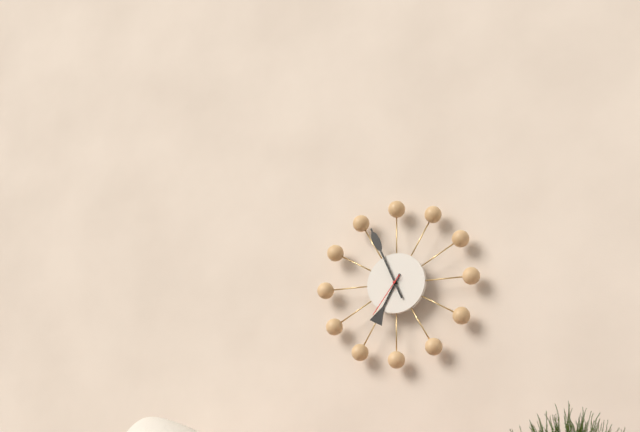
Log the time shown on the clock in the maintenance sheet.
6:56
